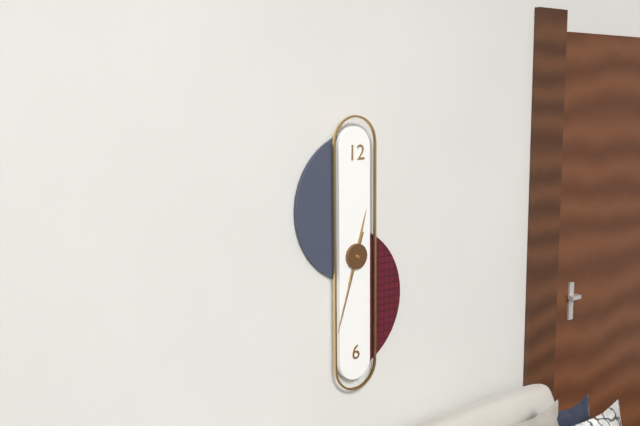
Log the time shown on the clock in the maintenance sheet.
12:33
